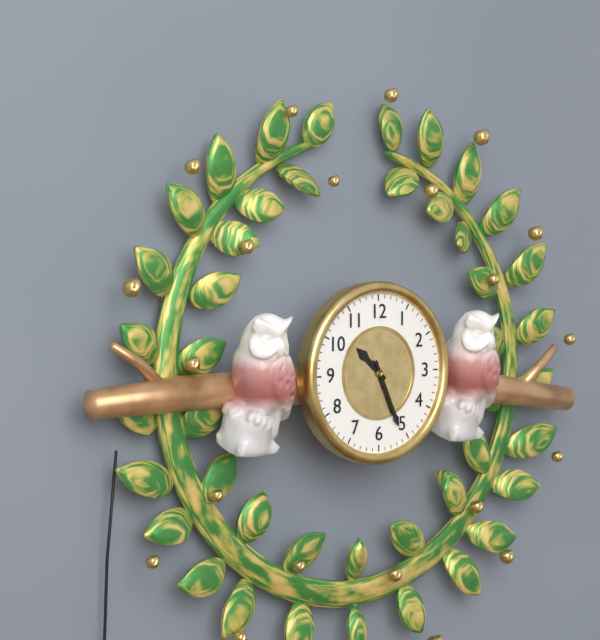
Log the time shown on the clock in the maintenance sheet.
10:26
